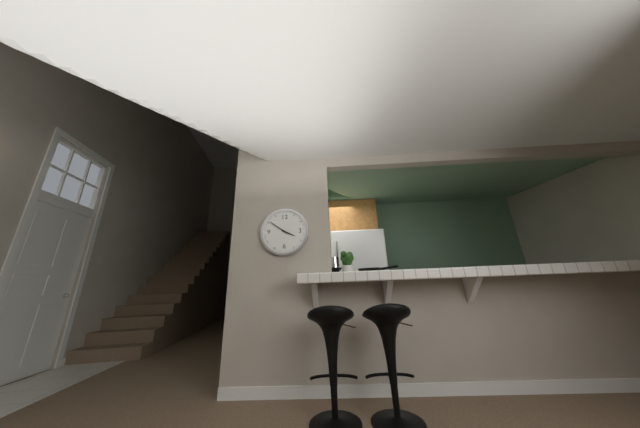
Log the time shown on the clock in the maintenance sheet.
3:51
